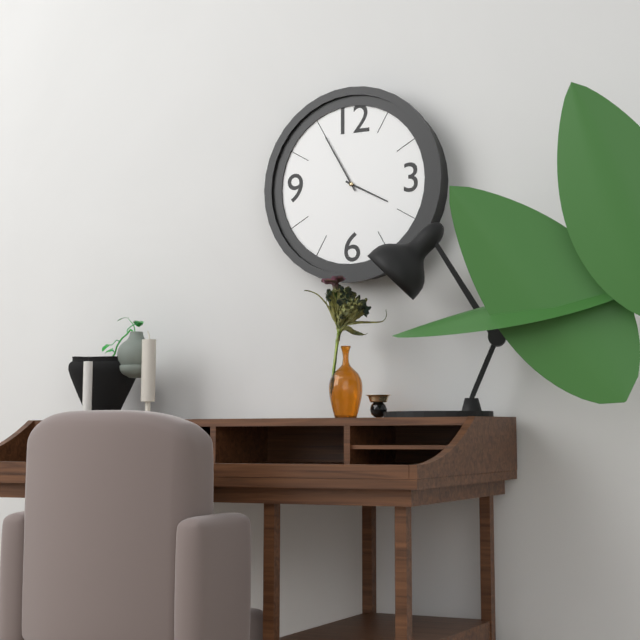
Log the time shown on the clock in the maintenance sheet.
3:55
